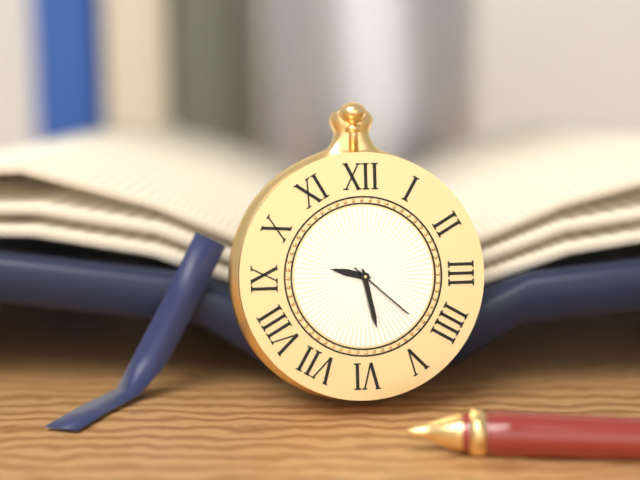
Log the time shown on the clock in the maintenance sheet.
9:28:22
